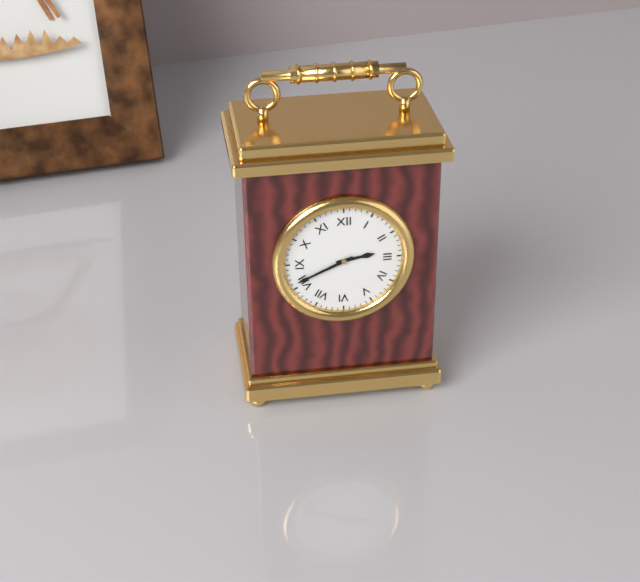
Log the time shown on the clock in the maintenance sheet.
2:41
